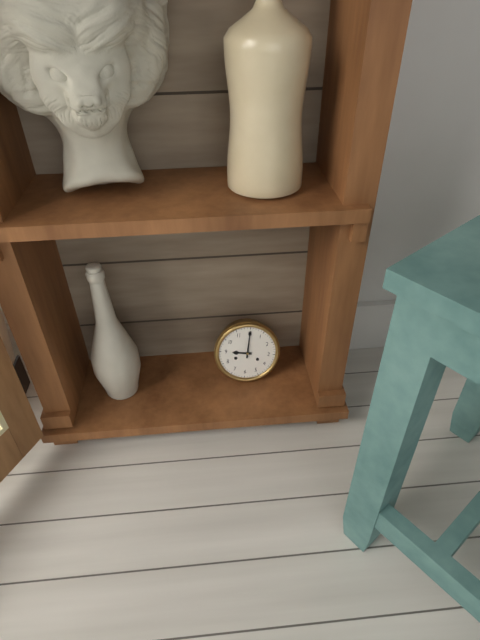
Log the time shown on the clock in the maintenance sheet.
9:00
